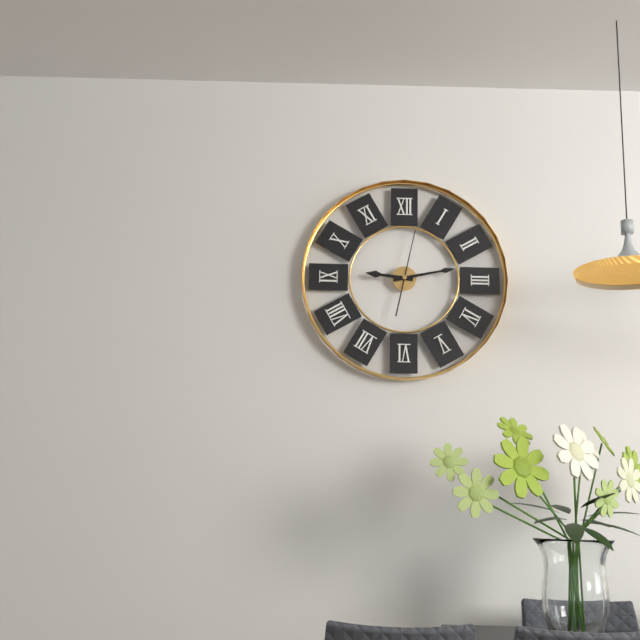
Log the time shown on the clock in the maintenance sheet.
9:13:02
